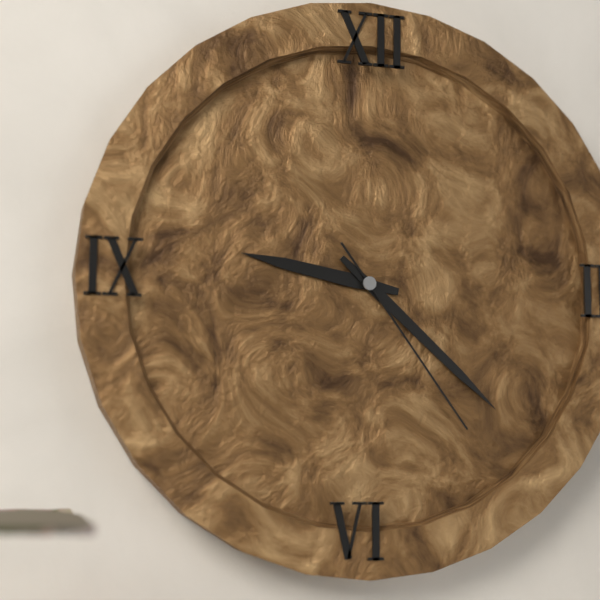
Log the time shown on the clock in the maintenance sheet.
9:22:24
